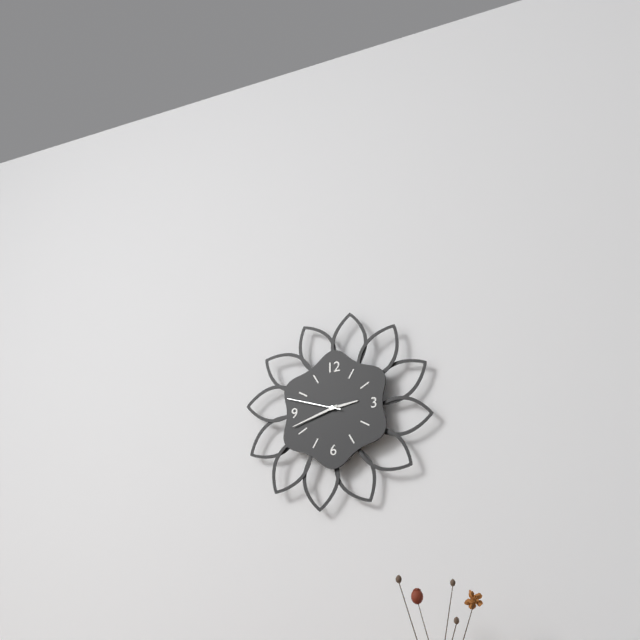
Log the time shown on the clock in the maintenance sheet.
2:42:48
